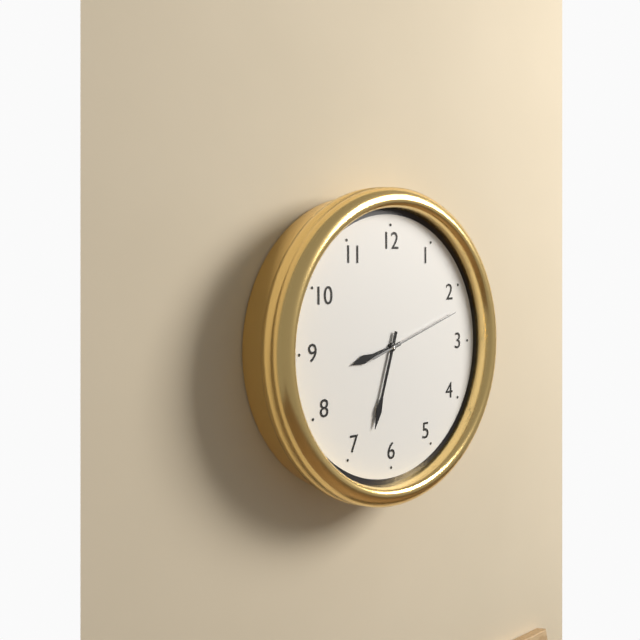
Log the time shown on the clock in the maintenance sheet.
8:33:12
